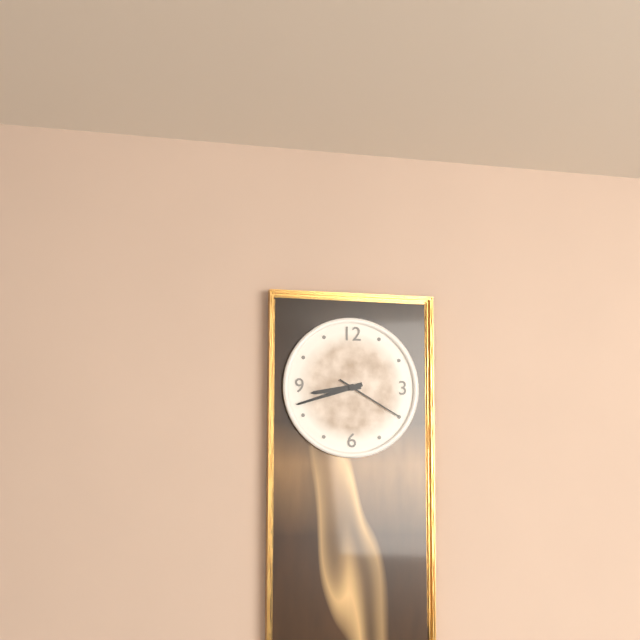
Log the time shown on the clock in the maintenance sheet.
8:42:20
